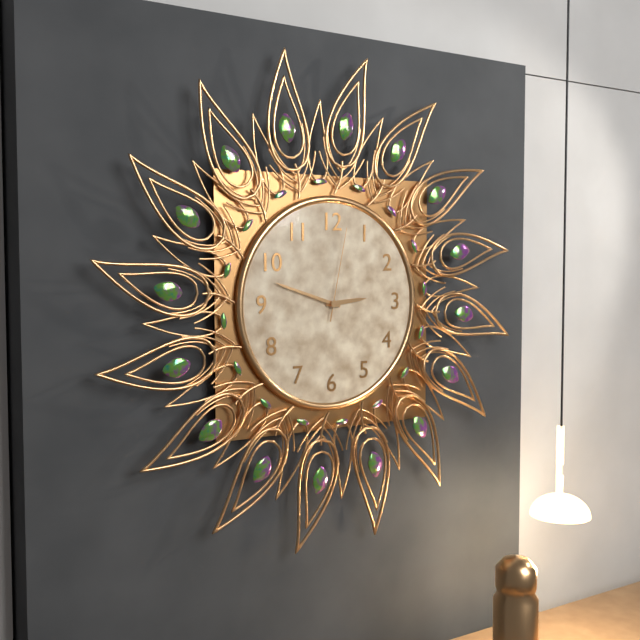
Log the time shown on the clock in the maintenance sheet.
2:48:02
